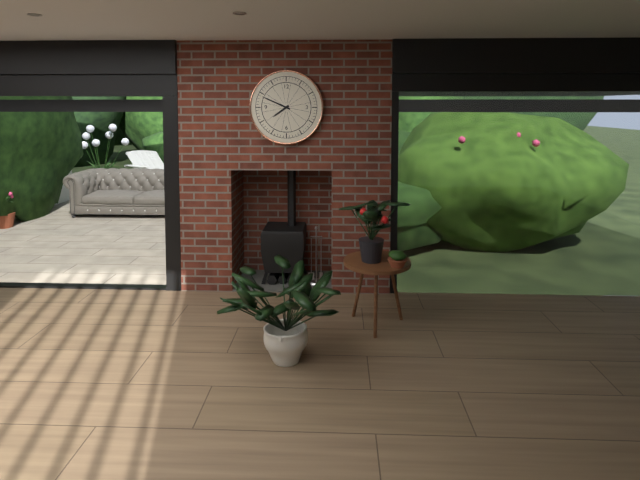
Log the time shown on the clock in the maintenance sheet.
7:49
